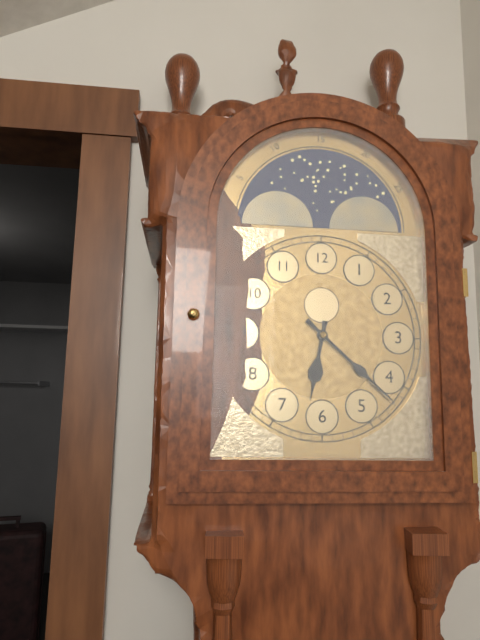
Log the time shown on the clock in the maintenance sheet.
6:22
